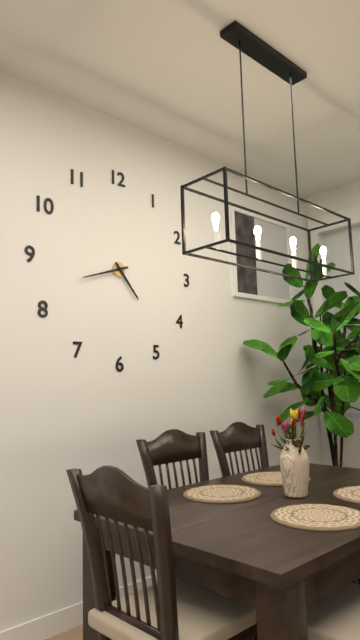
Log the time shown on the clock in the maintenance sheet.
4:42
